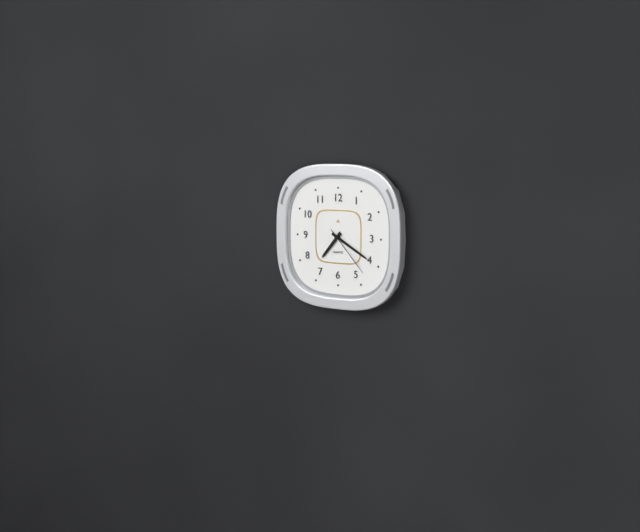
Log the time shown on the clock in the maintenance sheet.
7:20:23
